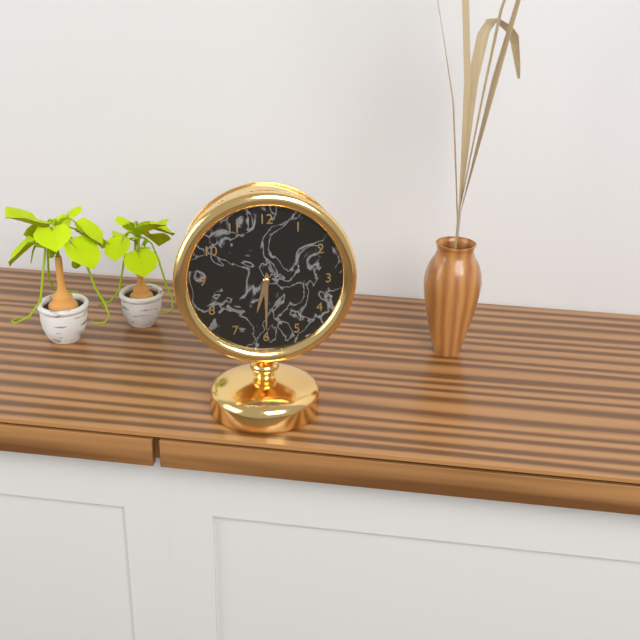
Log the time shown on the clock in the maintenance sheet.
6:30
